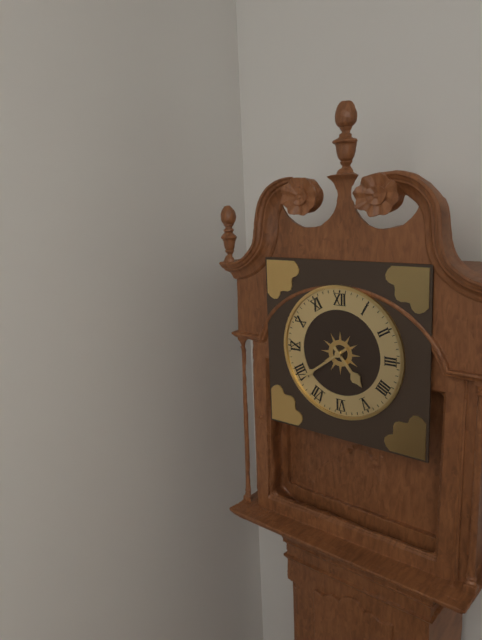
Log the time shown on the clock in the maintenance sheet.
4:39
